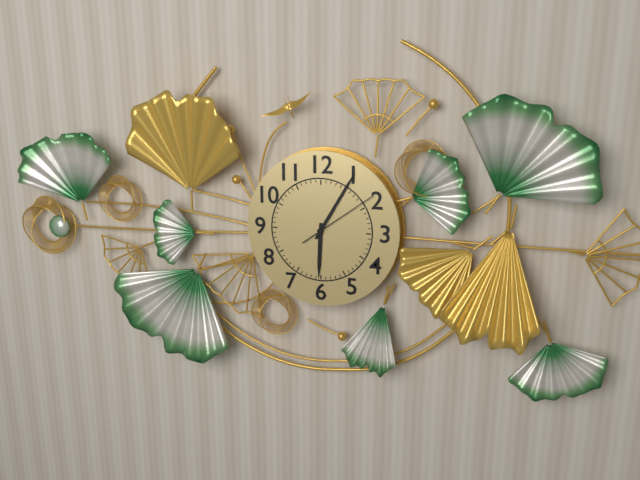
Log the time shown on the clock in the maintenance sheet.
6:05:09
